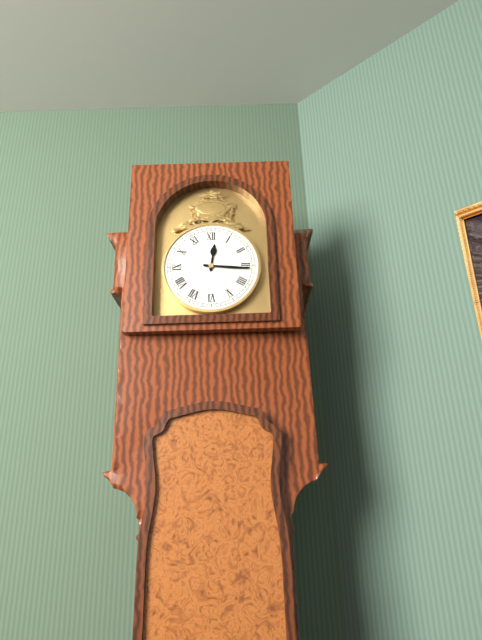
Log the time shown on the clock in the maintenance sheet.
12:16
